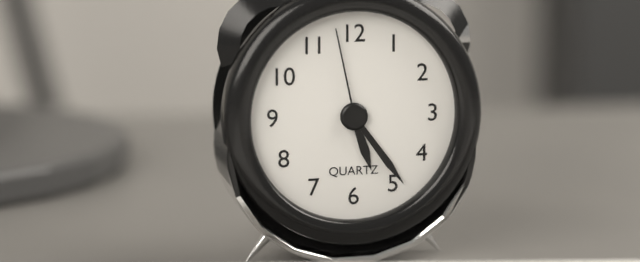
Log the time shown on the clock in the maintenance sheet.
5:24:58
